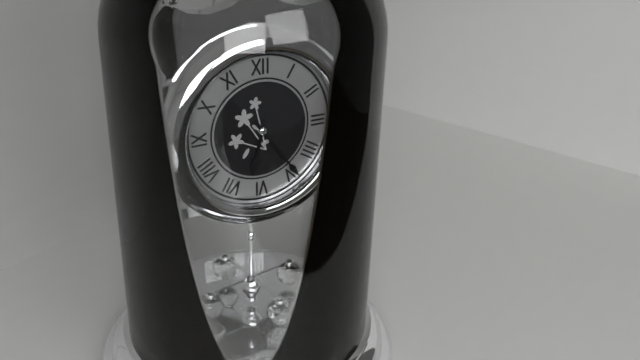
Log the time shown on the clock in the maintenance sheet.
6:24
